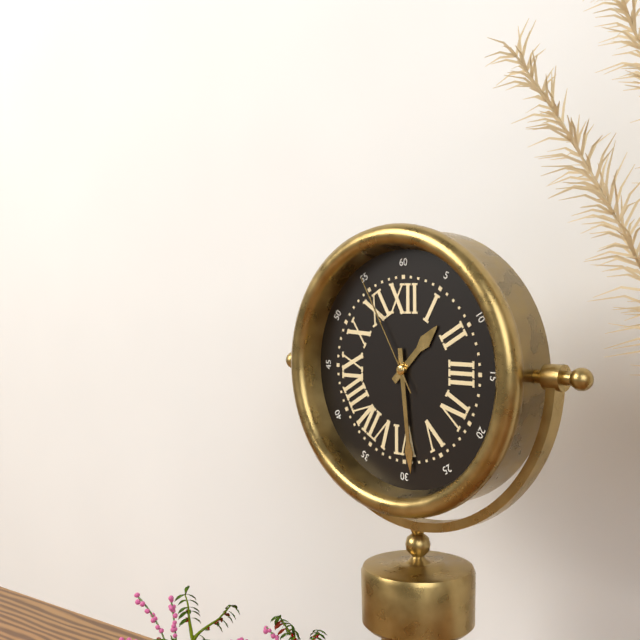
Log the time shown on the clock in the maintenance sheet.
1:29:55
